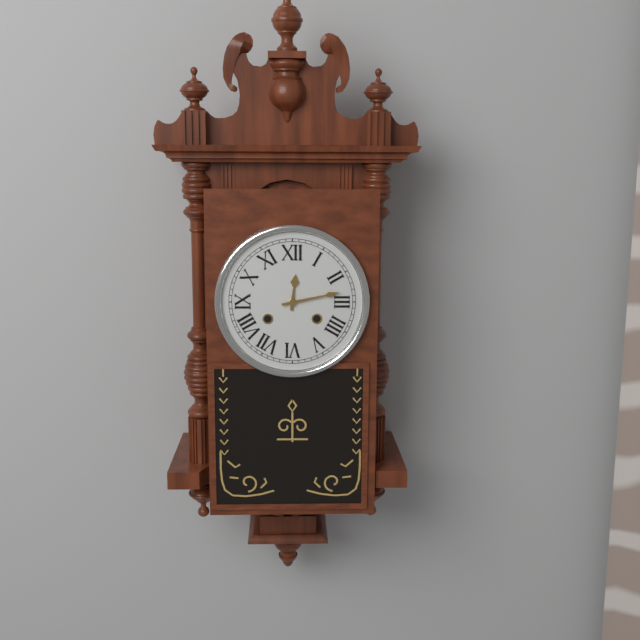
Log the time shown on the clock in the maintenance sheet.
12:13
